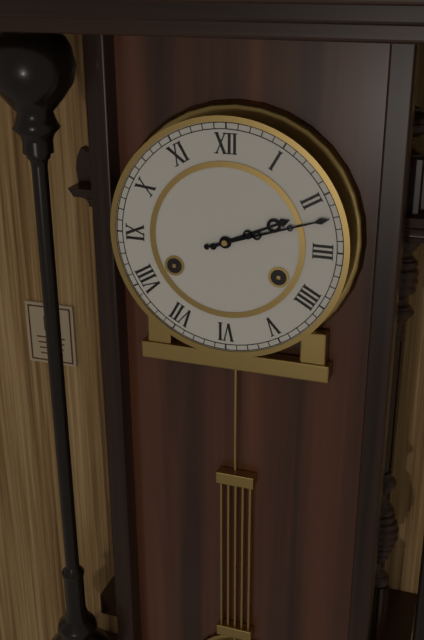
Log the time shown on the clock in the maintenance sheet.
2:12
